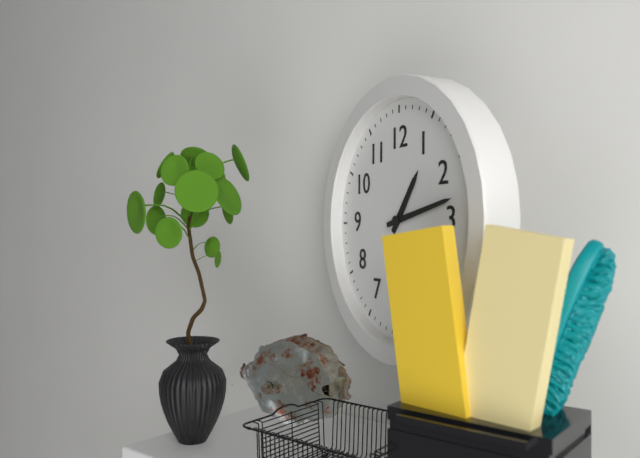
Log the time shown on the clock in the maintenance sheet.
1:13
